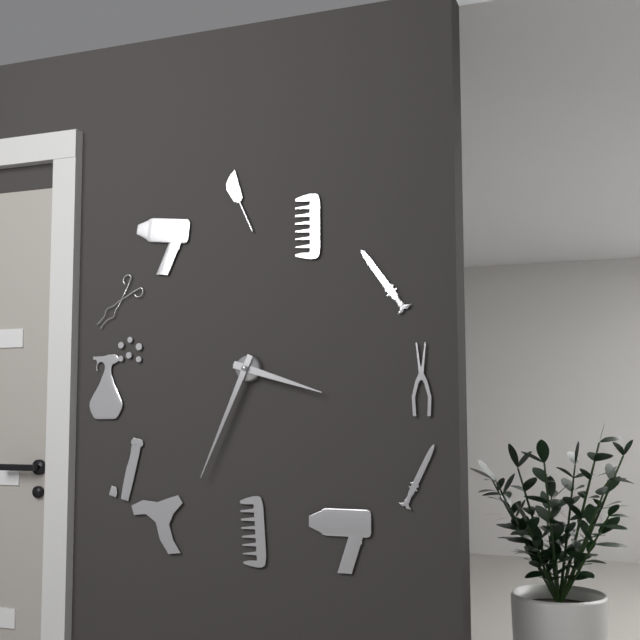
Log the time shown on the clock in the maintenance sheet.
3:34
